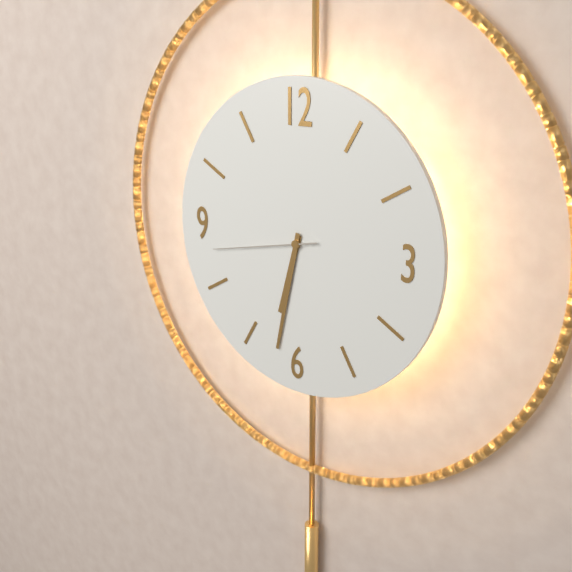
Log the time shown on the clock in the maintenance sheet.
6:32:43
